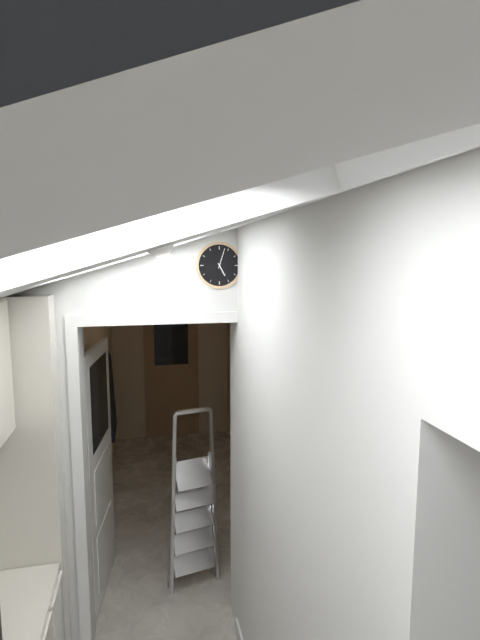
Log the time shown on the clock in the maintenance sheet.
5:03
